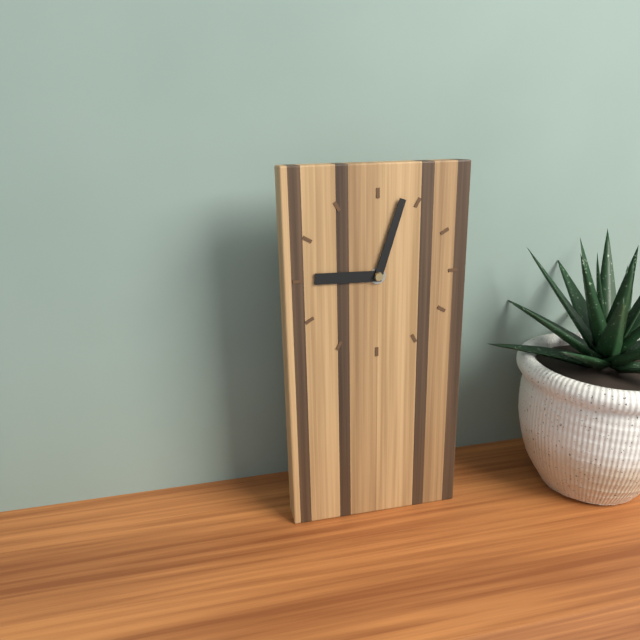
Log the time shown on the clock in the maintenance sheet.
9:03
